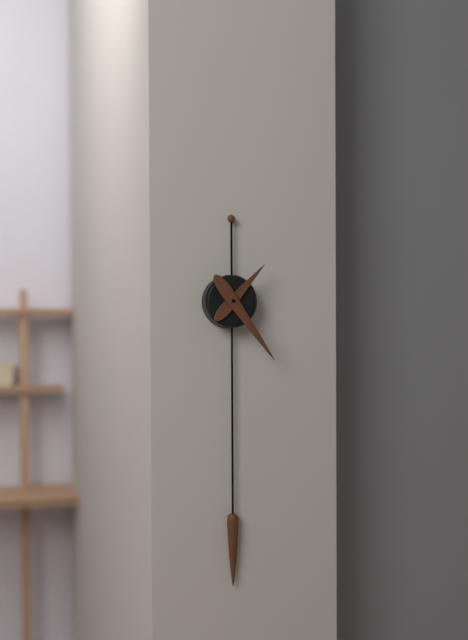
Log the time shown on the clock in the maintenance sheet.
1:24
